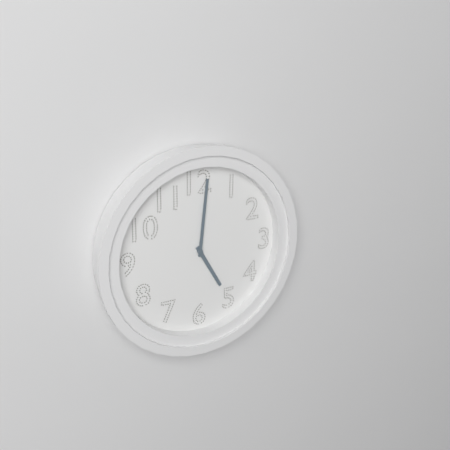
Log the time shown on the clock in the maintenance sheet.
5:01
